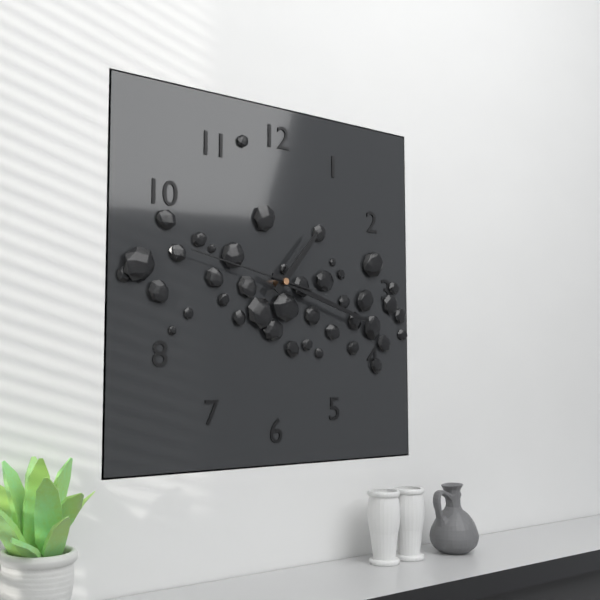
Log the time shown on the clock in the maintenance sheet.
1:18:47
